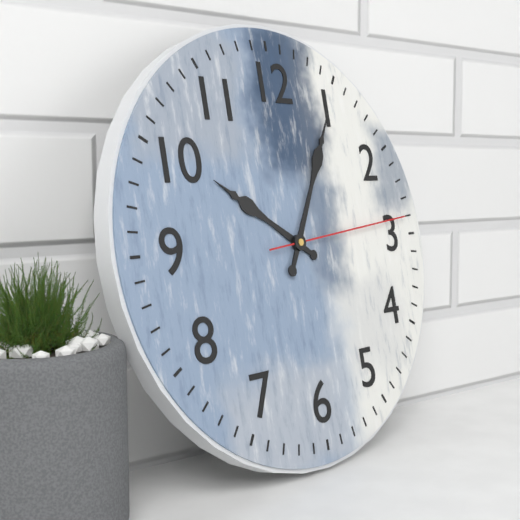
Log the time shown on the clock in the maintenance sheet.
10:05:14
